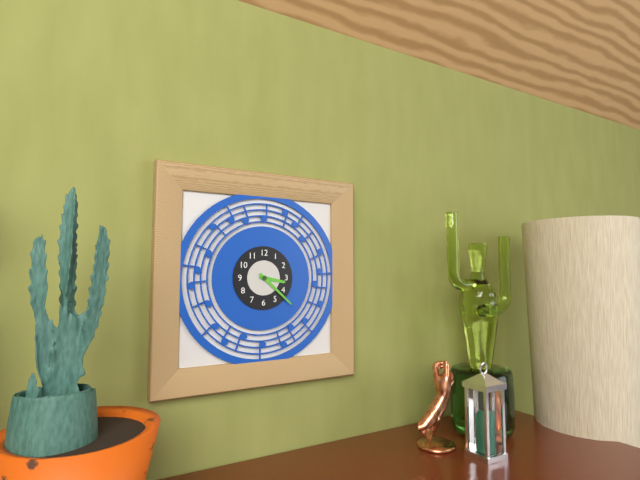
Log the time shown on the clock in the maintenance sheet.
3:22
